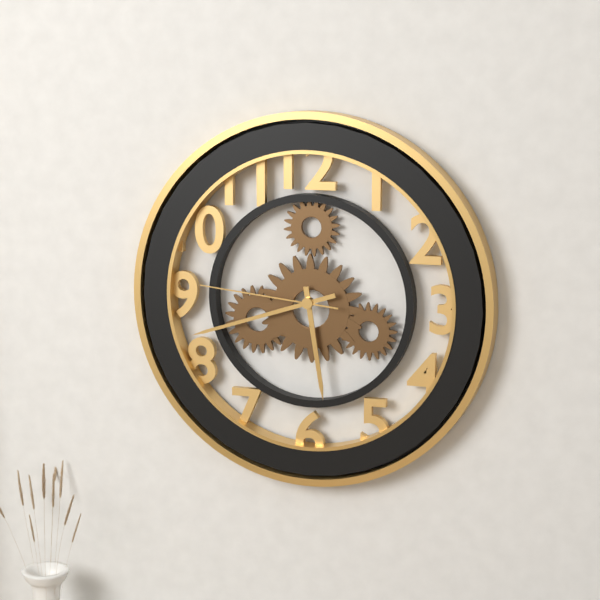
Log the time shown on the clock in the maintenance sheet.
5:42:46
